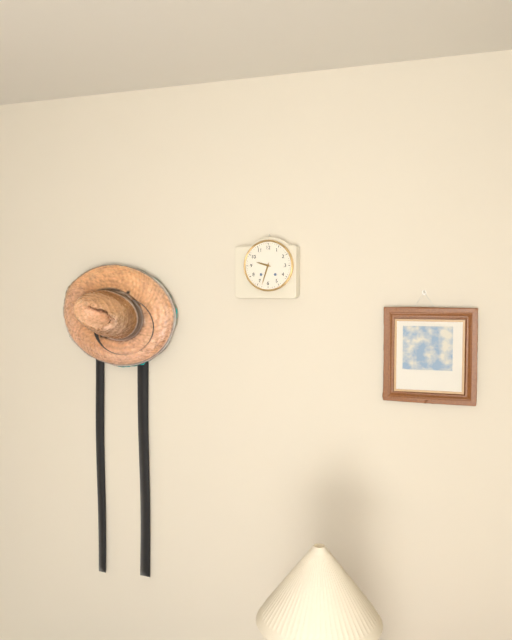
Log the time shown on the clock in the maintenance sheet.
9:33
